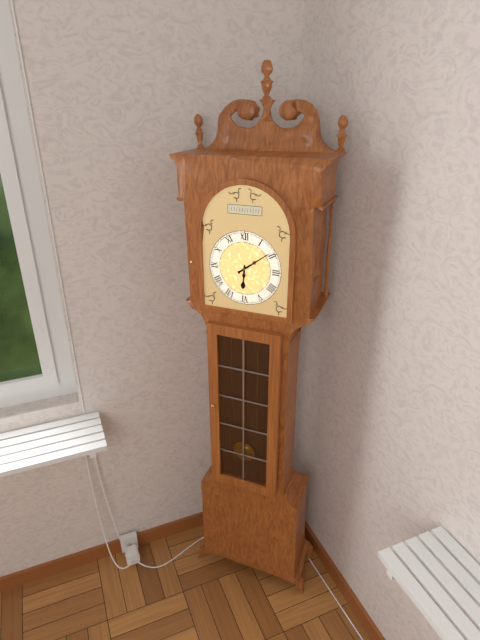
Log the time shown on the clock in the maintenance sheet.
6:09
